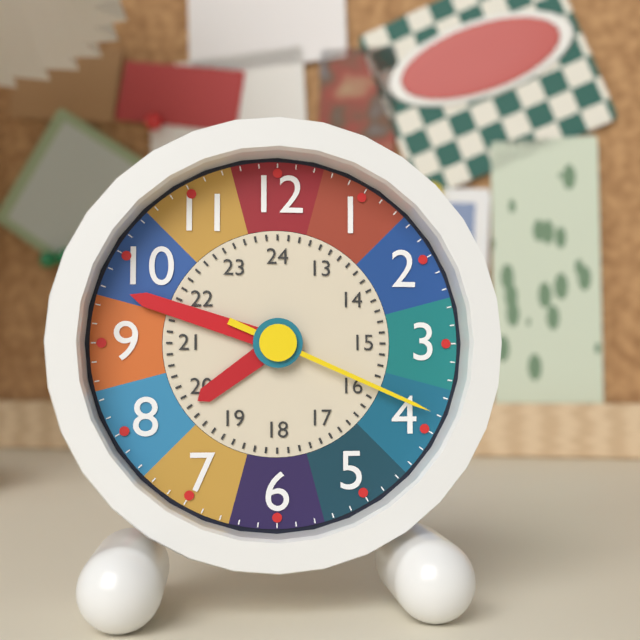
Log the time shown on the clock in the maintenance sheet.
7:48:19
